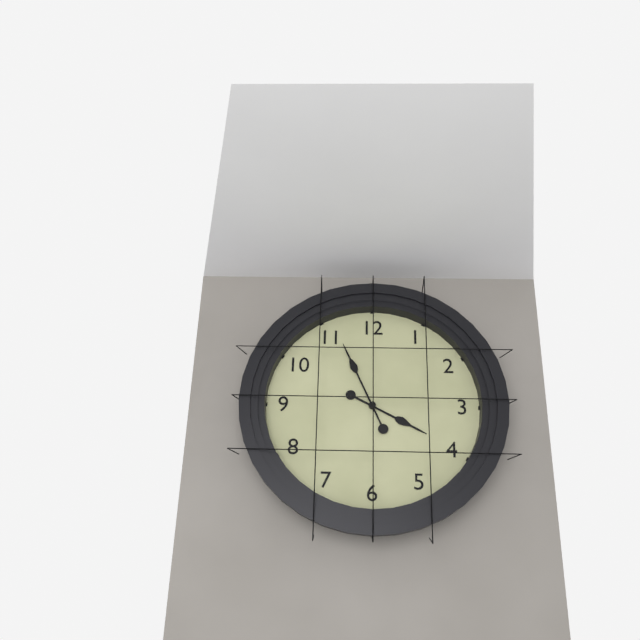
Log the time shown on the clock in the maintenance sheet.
3:56
